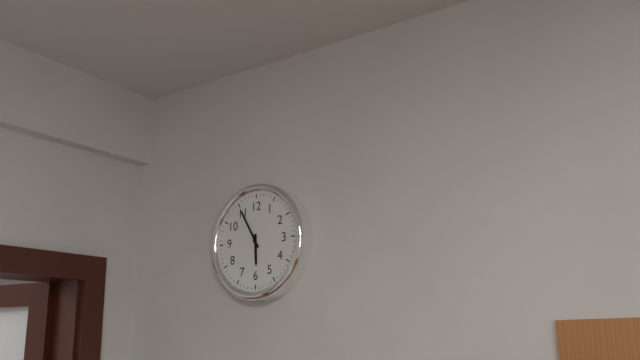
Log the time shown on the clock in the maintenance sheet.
5:55
